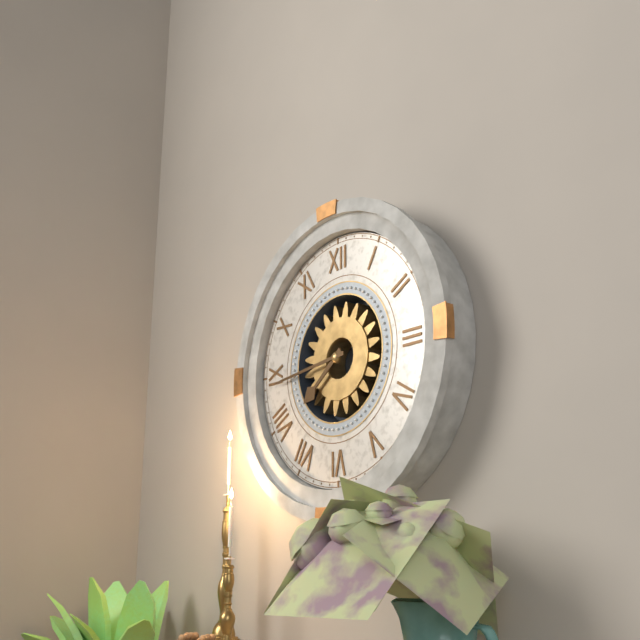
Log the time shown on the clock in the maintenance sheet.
7:44
